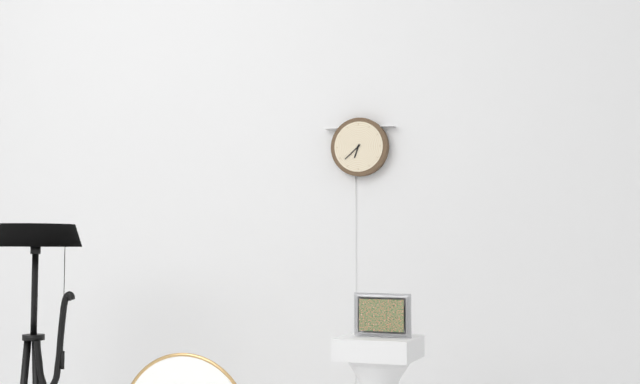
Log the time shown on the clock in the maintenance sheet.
6:38
